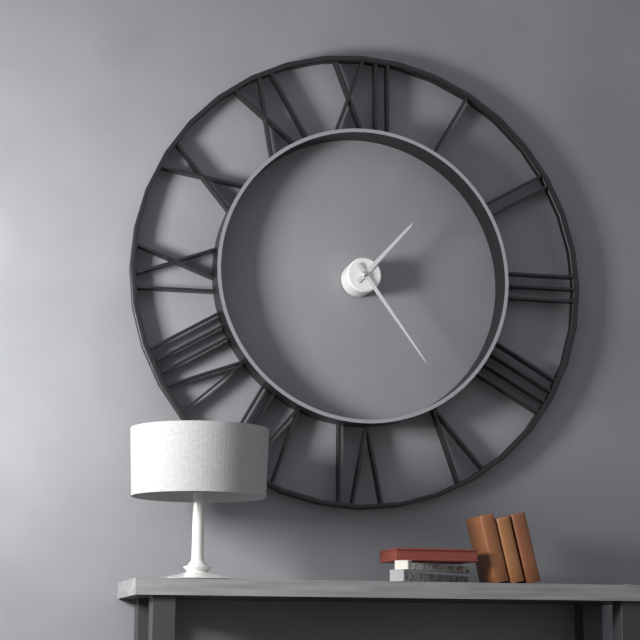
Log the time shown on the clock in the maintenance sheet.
1:24
